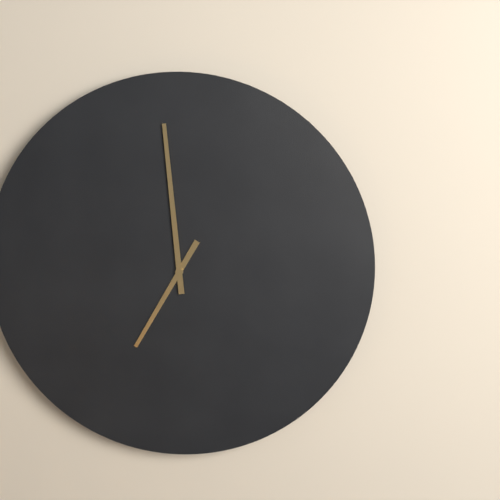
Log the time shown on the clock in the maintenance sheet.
6:59
